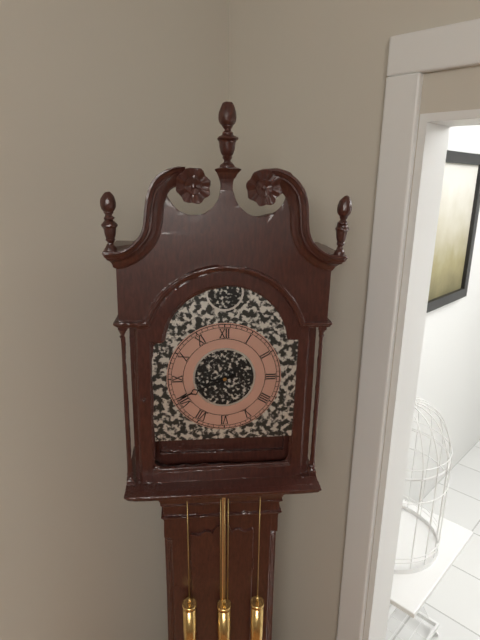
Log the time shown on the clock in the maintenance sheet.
8:41
